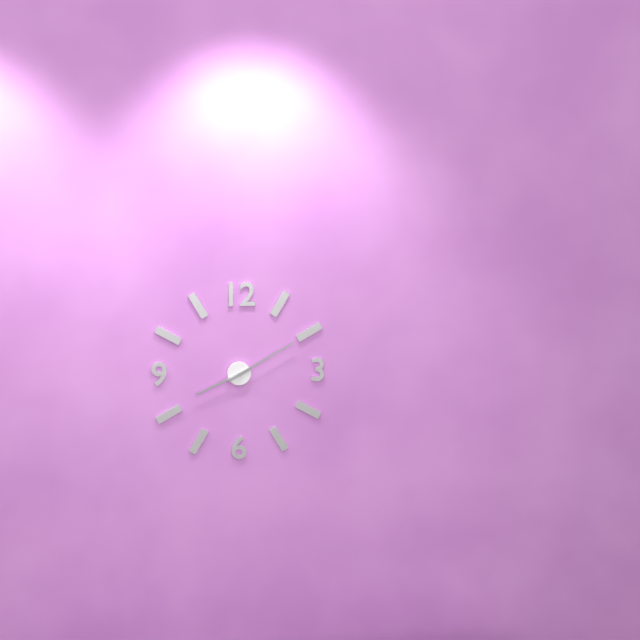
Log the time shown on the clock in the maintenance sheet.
8:10
